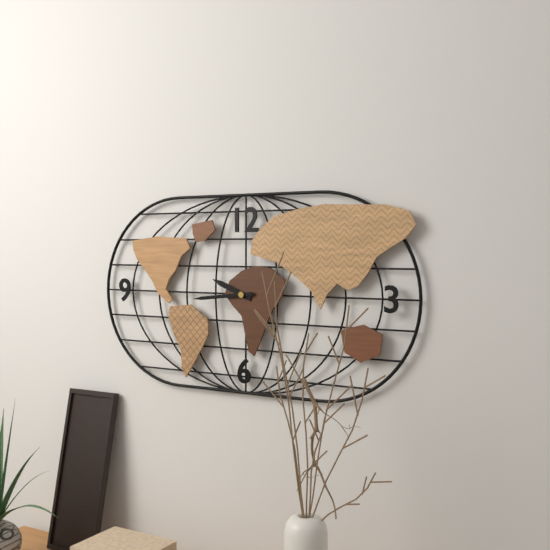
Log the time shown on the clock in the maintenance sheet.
9:44
